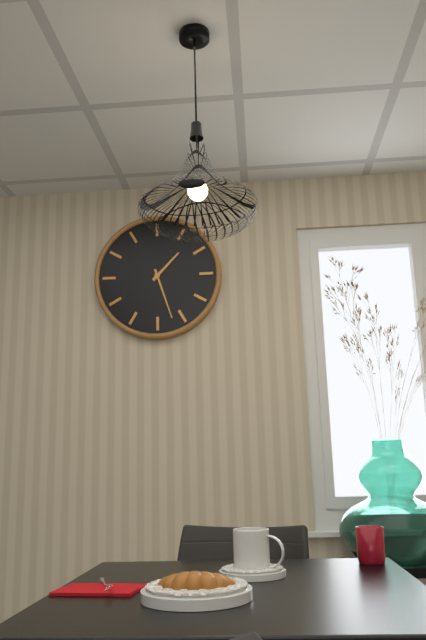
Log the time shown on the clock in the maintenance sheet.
1:27
